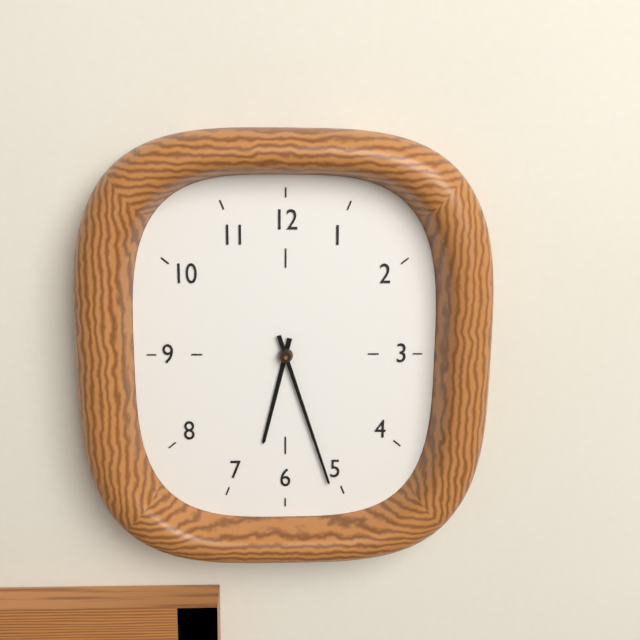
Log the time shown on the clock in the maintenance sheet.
6:27
